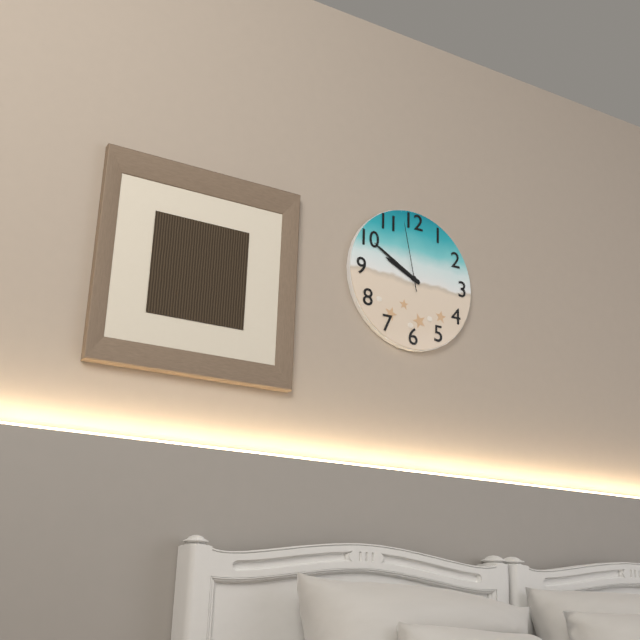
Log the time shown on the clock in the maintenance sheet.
9:50:58
